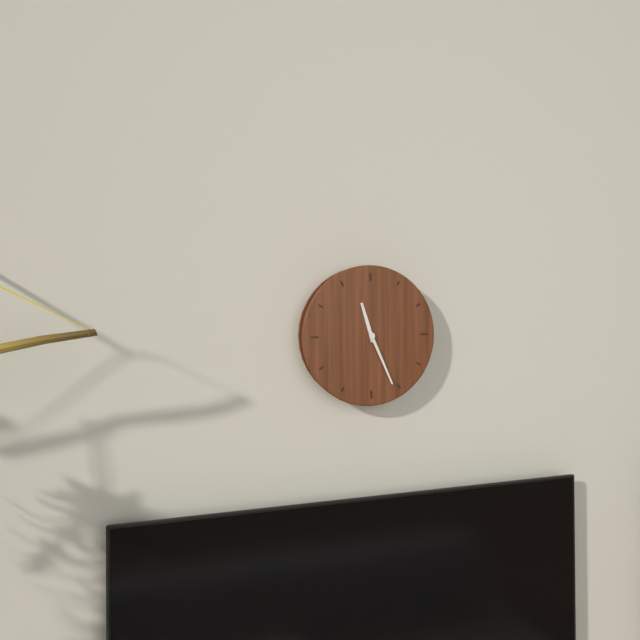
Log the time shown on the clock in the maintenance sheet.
11:26
